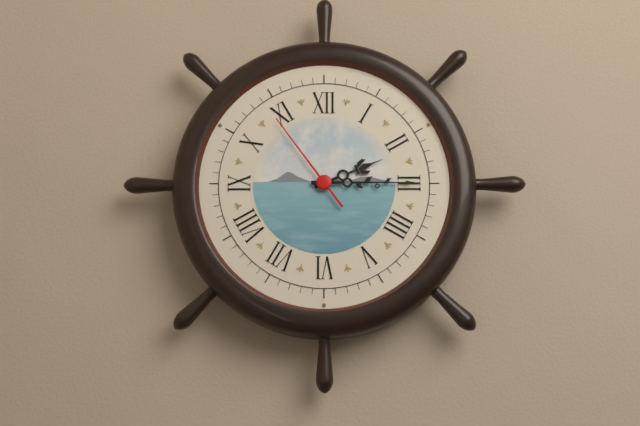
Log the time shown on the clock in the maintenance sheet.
2:15:54
